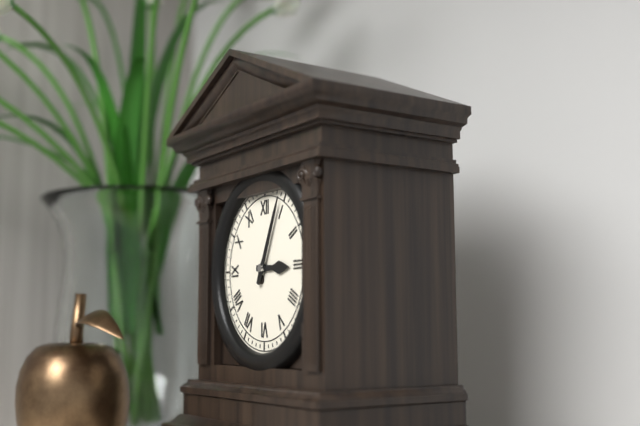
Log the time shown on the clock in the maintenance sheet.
3:04
